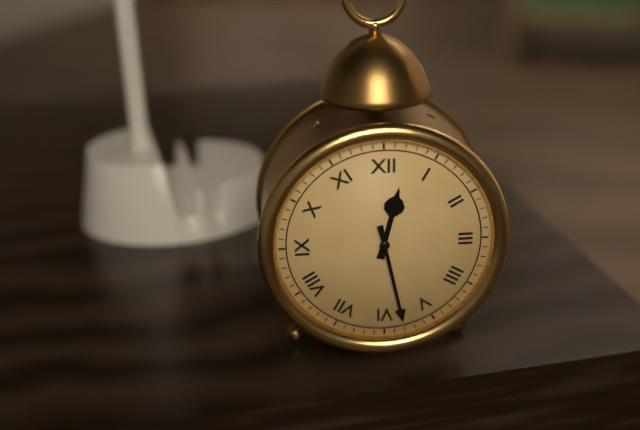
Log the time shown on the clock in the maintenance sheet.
12:28
